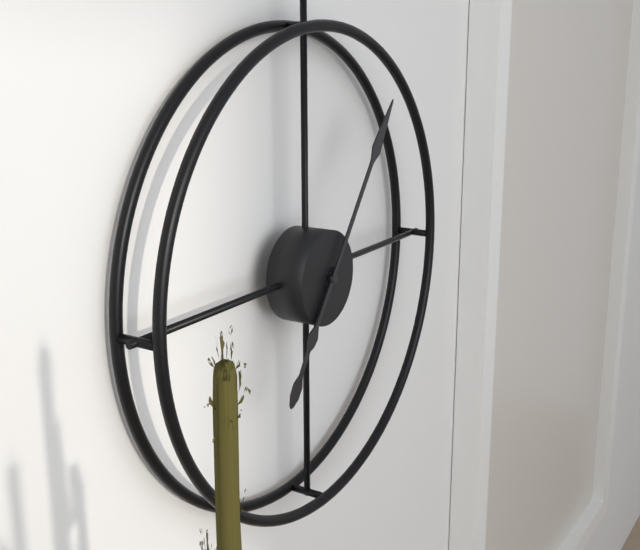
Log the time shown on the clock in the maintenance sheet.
7:06
